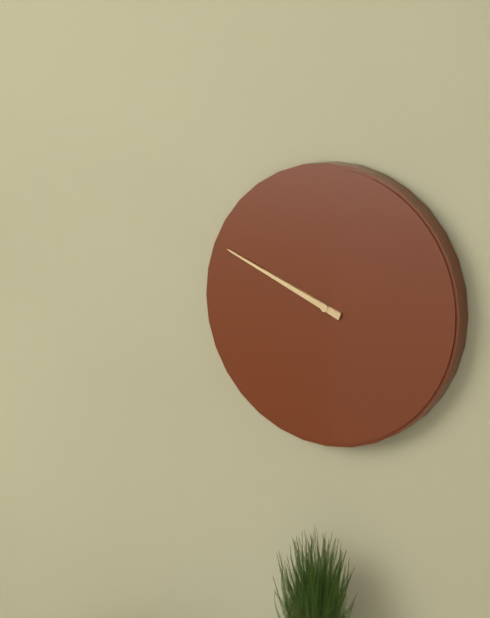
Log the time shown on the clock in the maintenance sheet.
9:49
